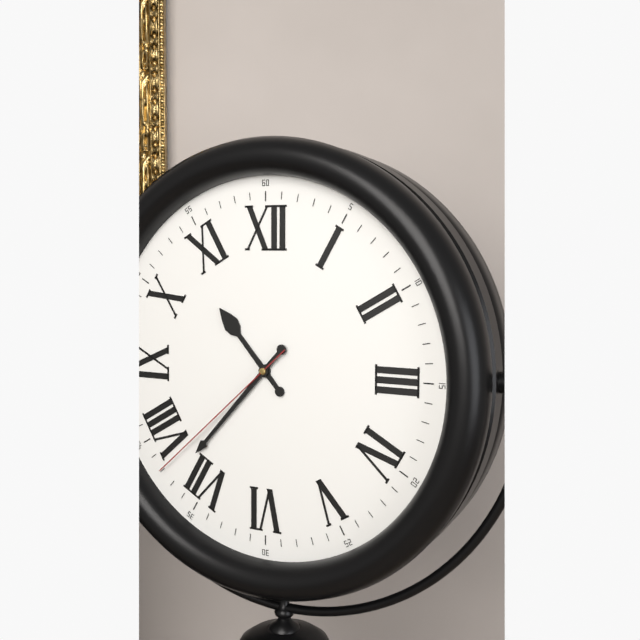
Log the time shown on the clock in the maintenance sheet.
10:37:38
